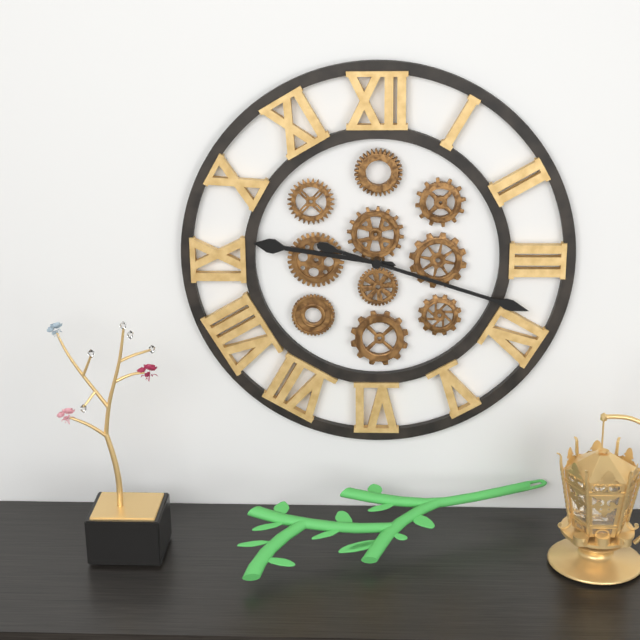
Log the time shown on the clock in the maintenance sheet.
9:18
